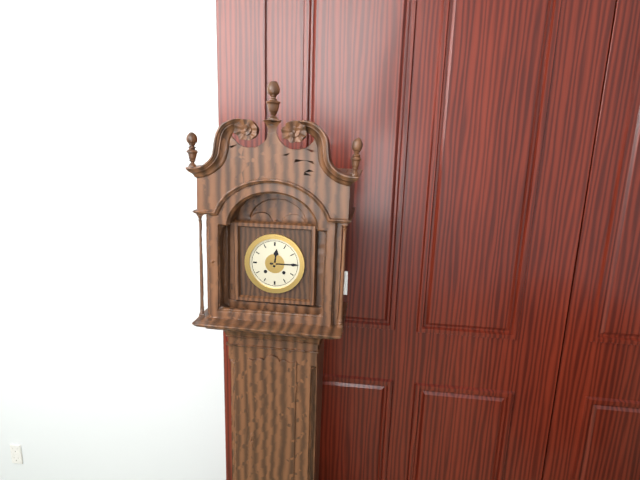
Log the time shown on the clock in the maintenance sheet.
12:15
